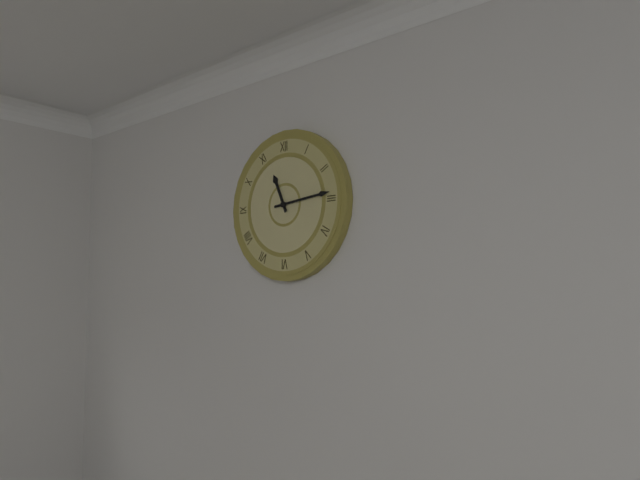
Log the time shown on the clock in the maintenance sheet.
11:14
